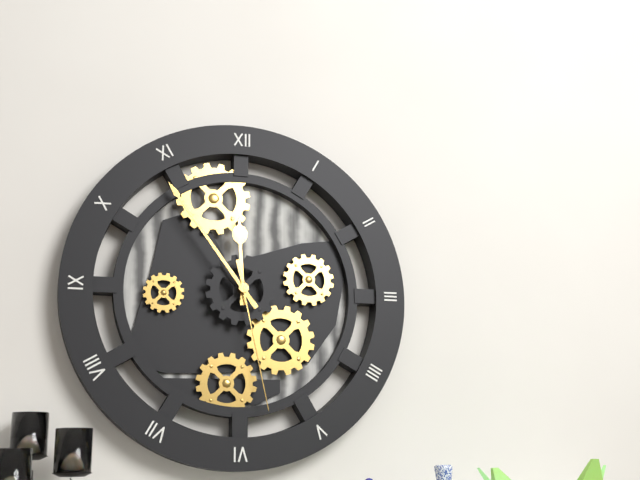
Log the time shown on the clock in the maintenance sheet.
11:54:28
